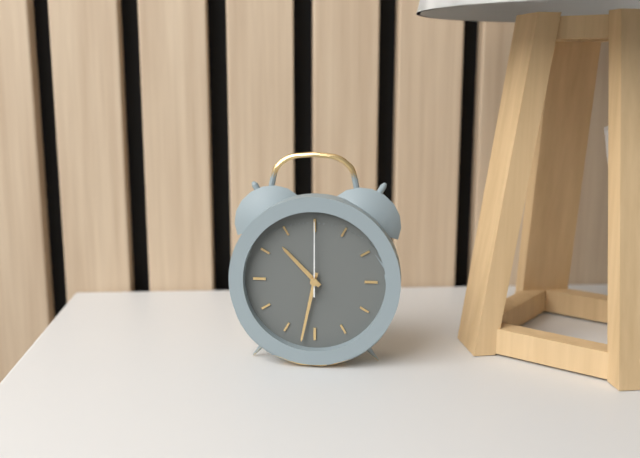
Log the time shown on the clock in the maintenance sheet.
10:32:00
